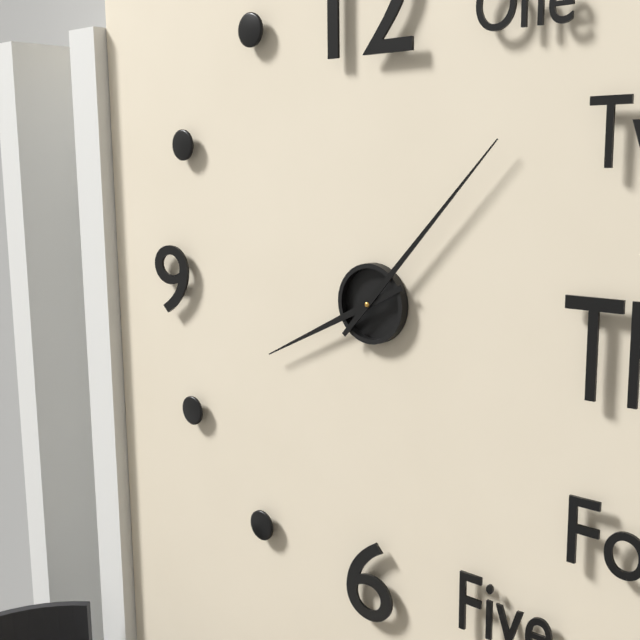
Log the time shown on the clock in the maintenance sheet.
8:07
